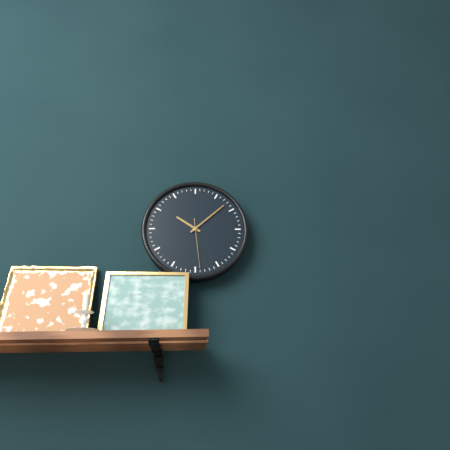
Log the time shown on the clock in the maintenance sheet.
10:08
